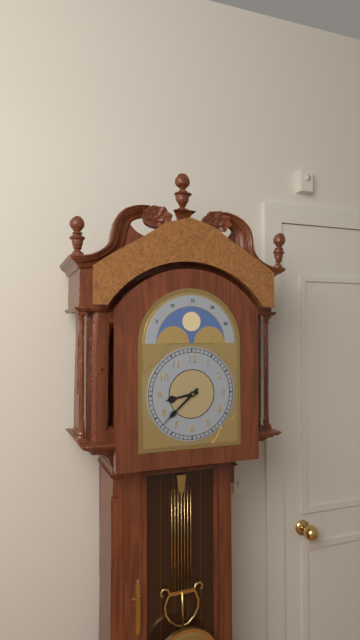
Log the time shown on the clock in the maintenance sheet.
8:38
